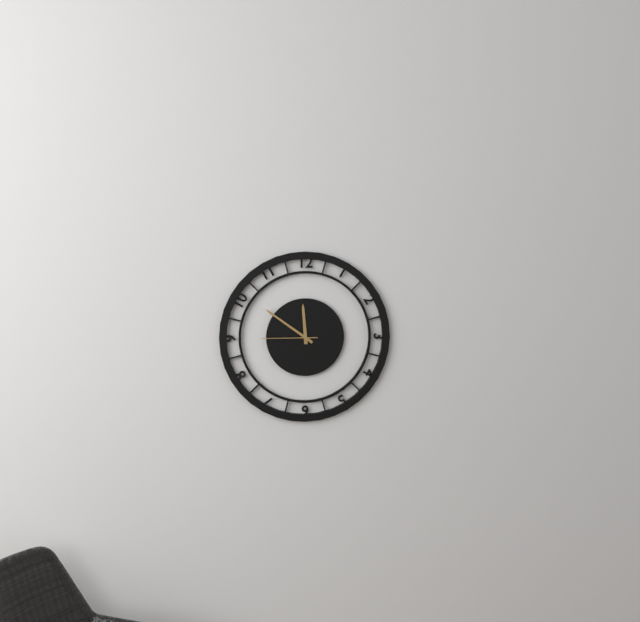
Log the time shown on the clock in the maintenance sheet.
11:51:45
